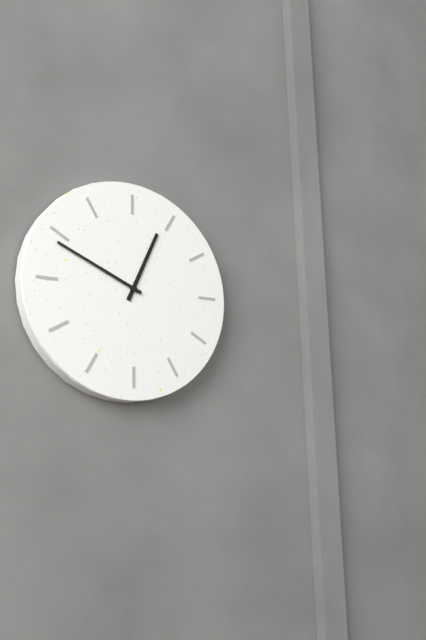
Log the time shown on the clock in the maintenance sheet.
12:49
